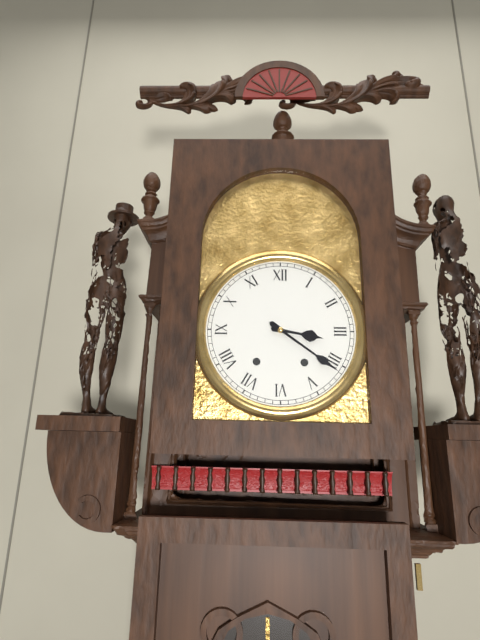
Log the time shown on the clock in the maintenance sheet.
3:21
